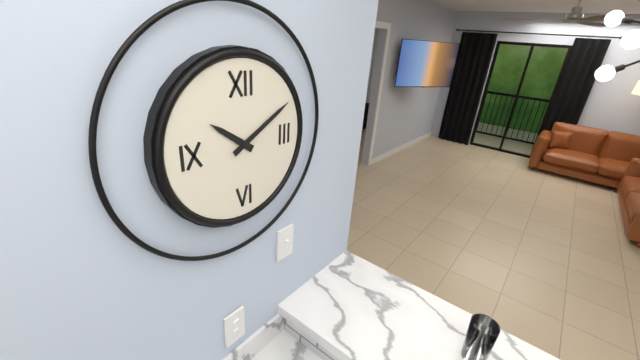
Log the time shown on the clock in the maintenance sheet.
10:10
